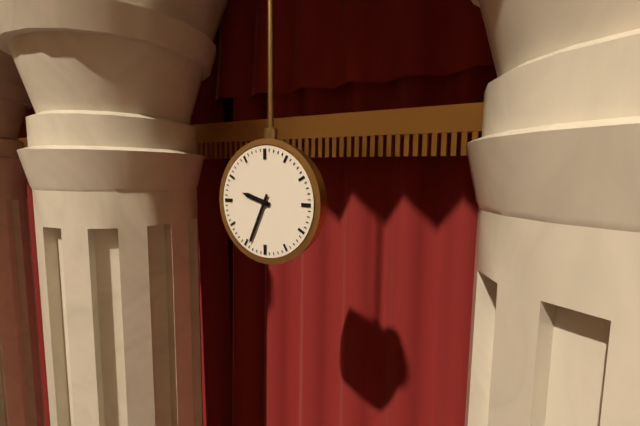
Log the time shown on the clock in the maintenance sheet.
9:34
